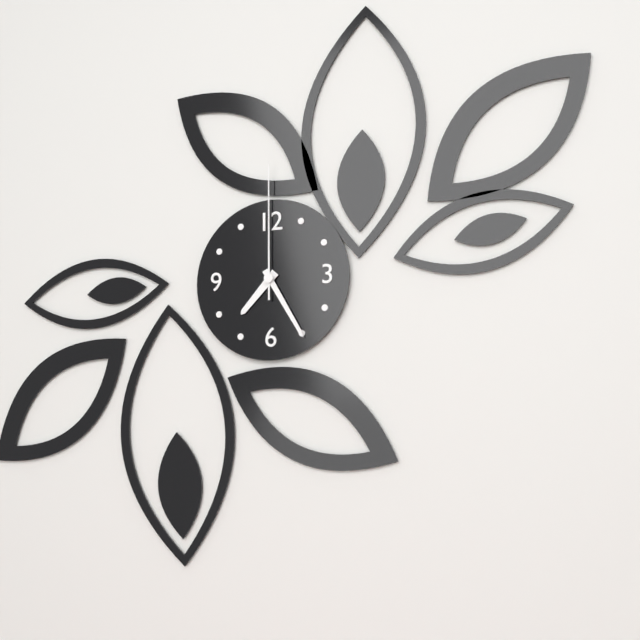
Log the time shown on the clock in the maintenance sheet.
7:25:00
